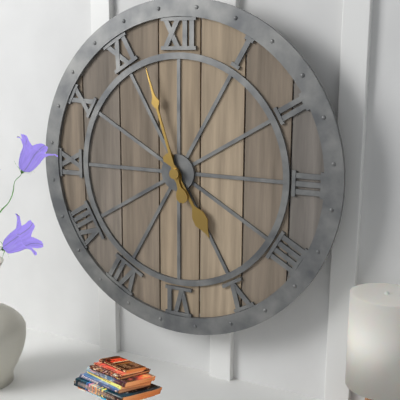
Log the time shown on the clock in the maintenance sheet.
4:57
